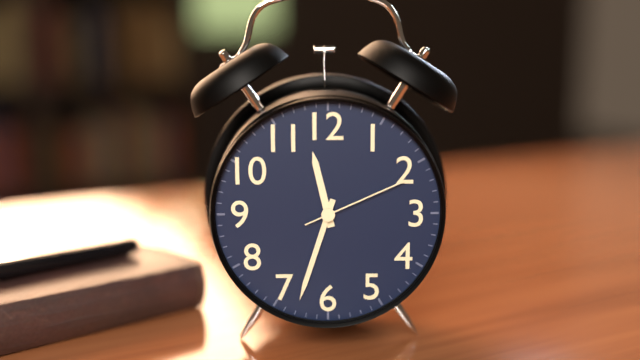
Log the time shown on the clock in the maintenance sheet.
11:33:11
